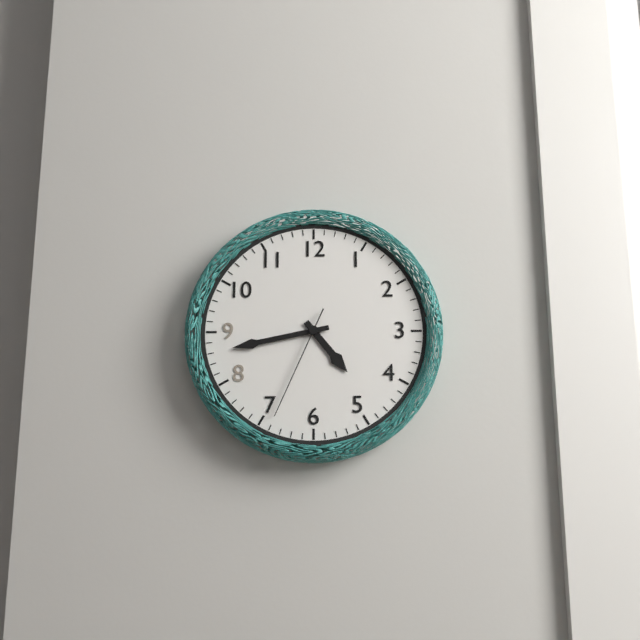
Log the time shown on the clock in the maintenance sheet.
4:43:34
